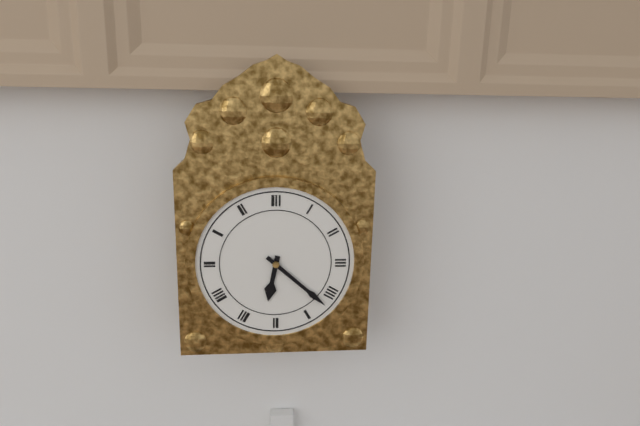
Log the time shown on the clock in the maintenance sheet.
6:22
